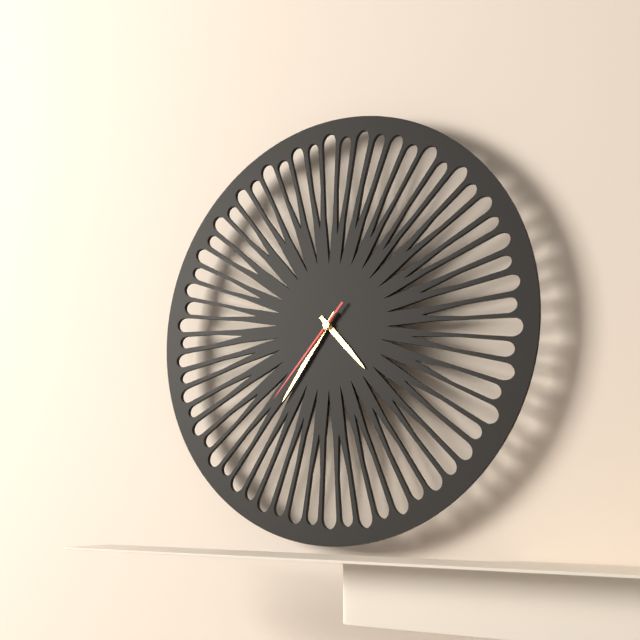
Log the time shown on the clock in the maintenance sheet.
4:36:37
